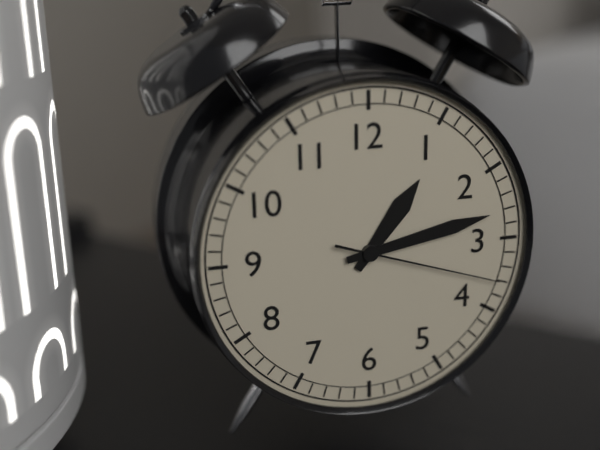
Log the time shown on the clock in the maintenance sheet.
1:13:18
